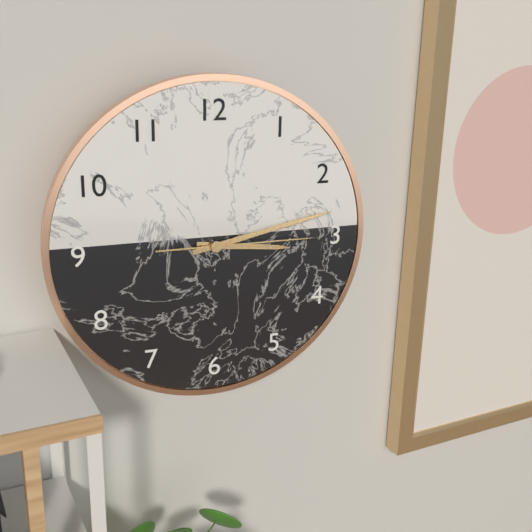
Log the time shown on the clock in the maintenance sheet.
3:13:15
